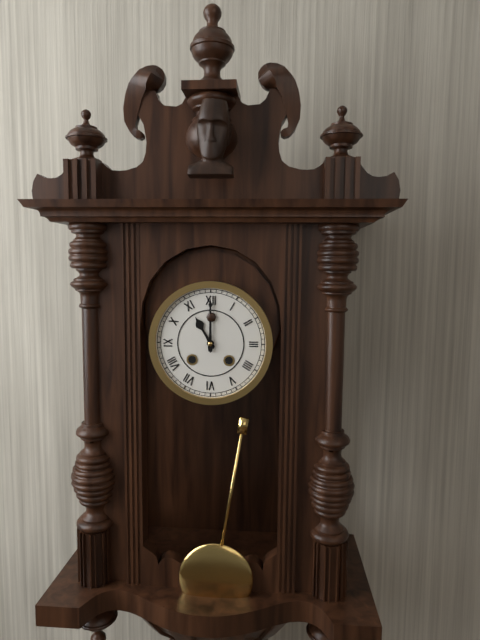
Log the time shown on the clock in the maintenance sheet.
11:00
